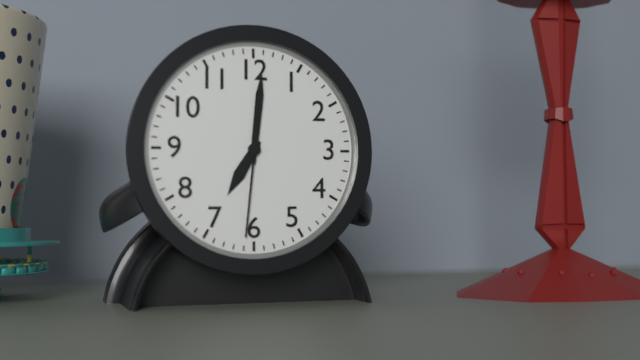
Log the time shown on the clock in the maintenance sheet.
7:01:31
